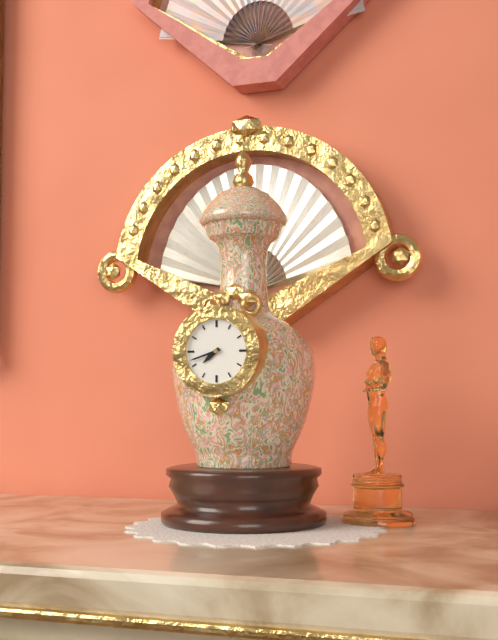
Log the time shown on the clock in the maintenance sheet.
7:42
